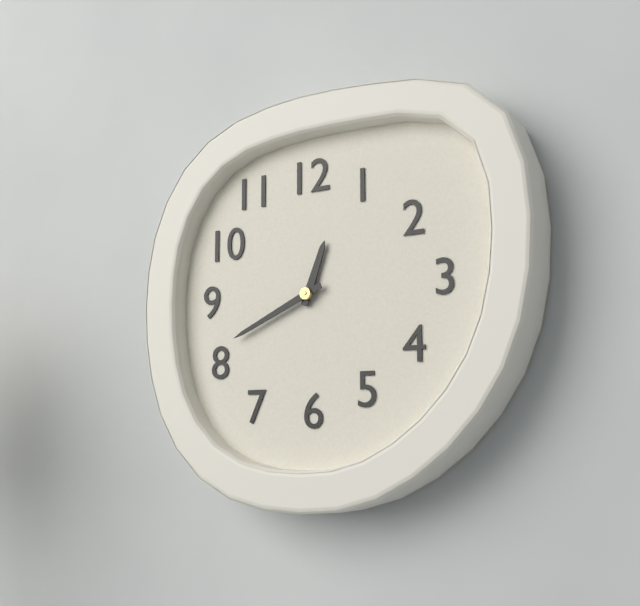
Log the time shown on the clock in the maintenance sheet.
12:41
